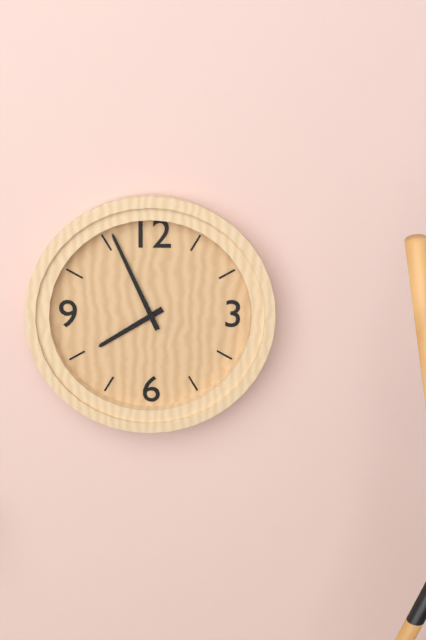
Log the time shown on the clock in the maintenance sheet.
7:56
